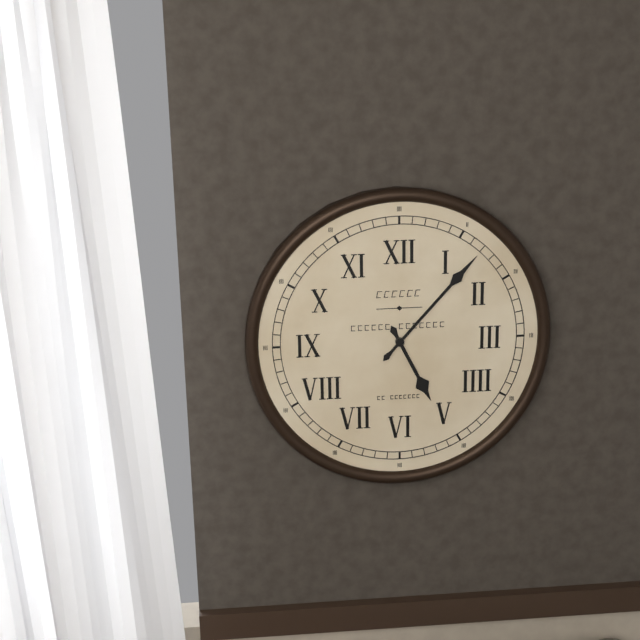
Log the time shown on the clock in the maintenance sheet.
5:07
